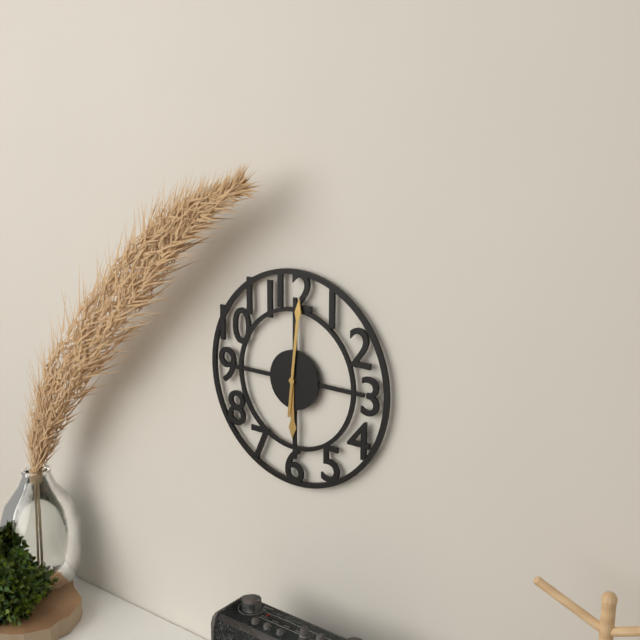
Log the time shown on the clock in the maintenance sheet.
6:01
